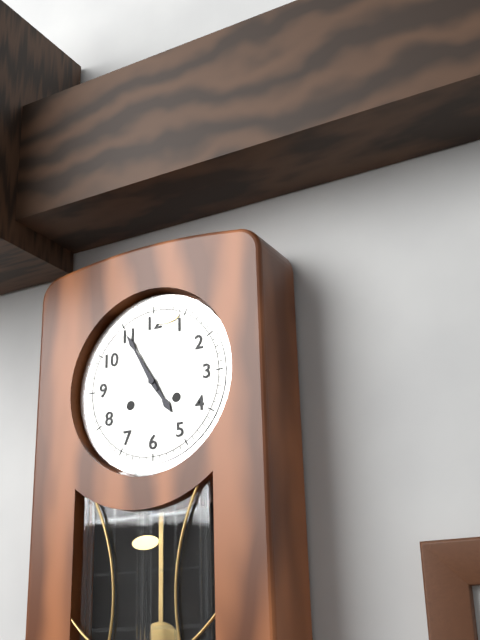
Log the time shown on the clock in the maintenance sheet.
4:55
